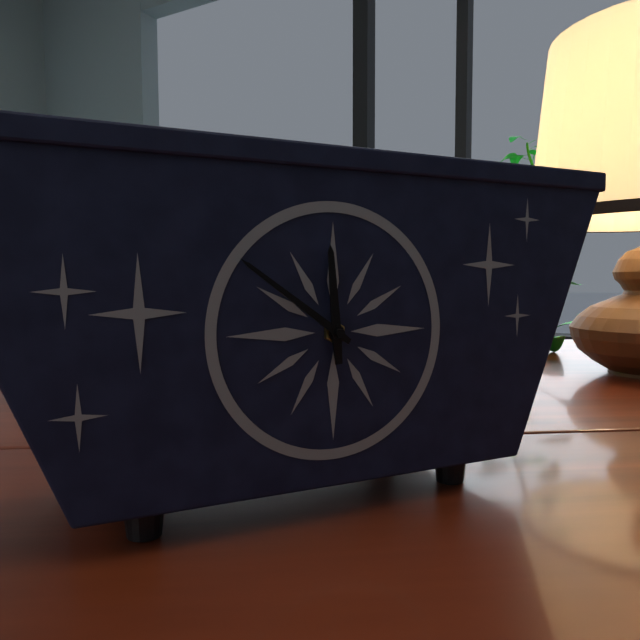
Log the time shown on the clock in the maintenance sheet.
11:51
